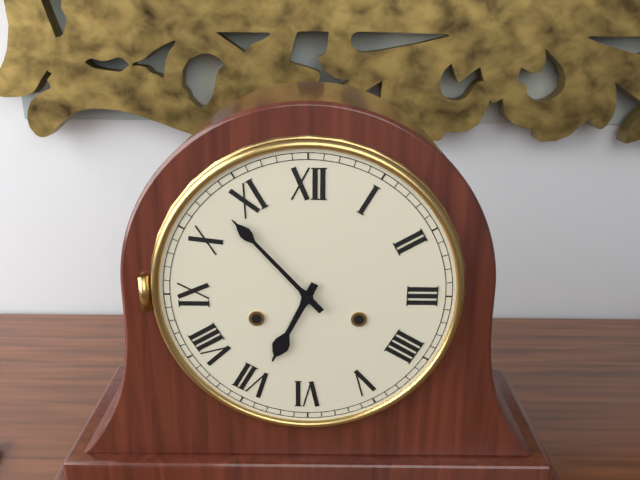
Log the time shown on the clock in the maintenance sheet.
6:53
